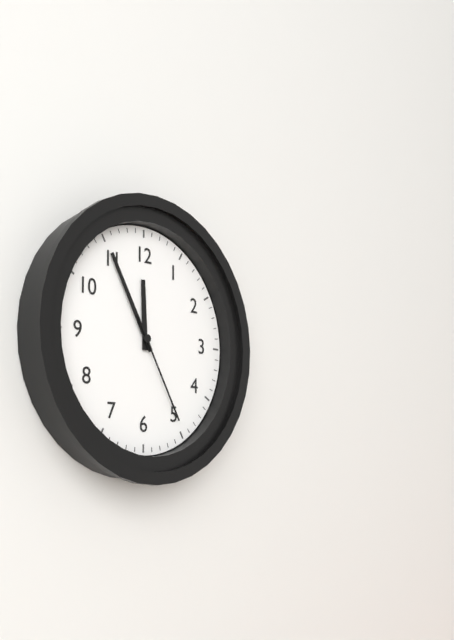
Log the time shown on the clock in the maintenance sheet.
11:55:25
